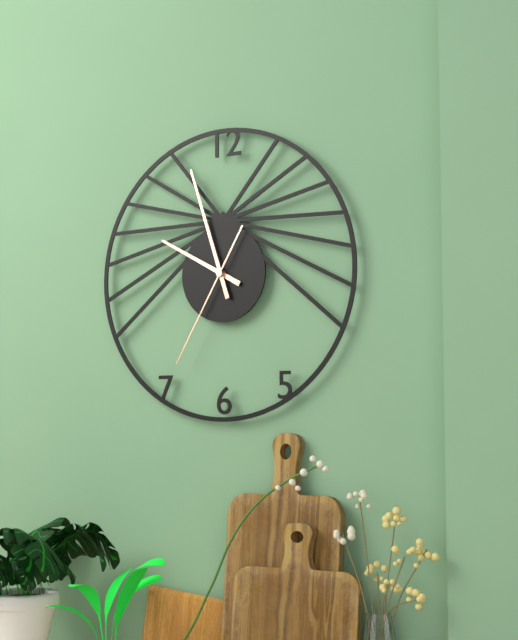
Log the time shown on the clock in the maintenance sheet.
9:57:35
